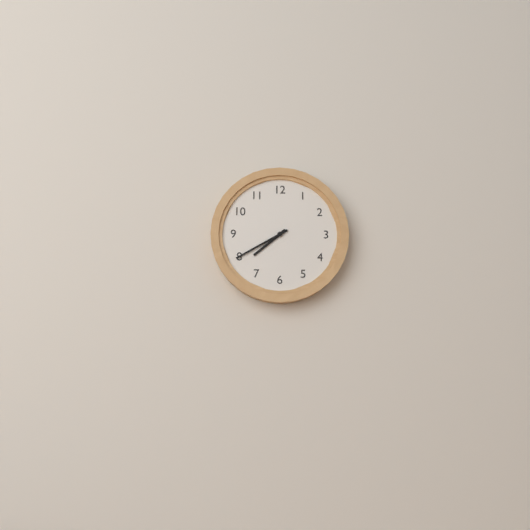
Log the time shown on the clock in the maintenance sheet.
7:40
